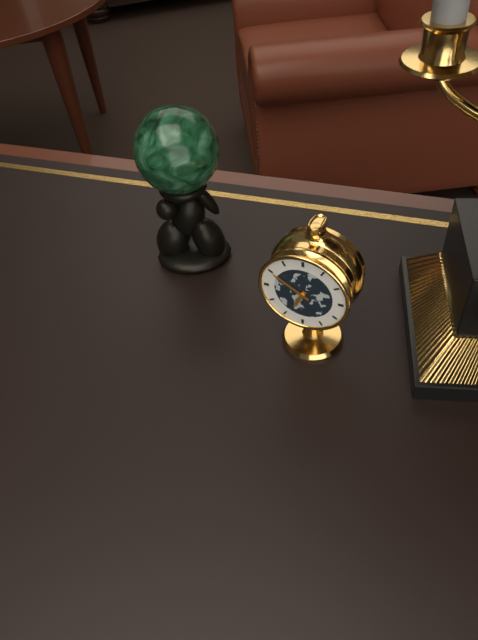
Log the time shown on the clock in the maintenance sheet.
6:50
